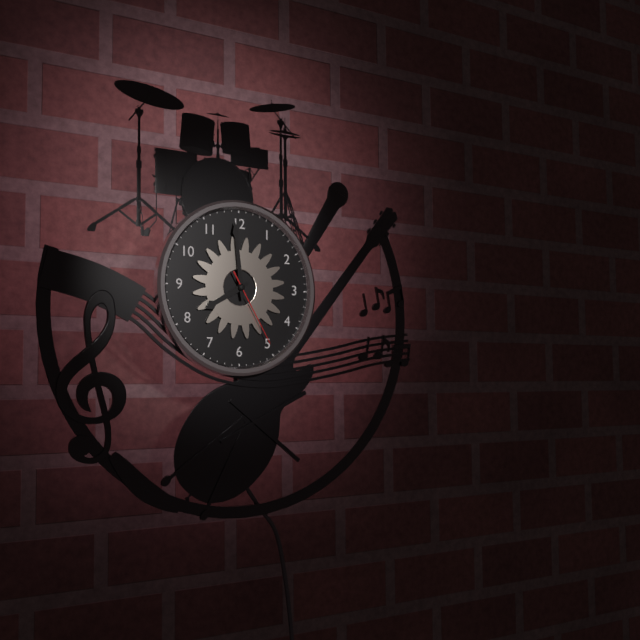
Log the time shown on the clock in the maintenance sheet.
7:59:25
